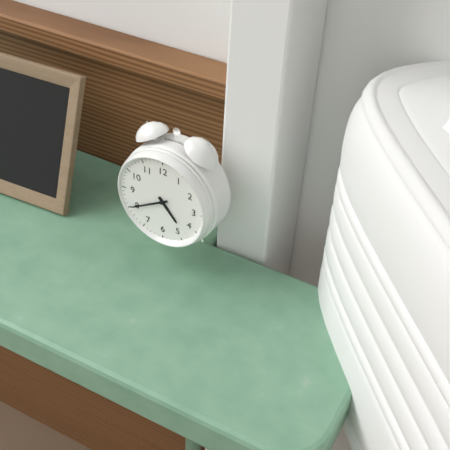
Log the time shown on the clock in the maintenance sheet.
4:40
